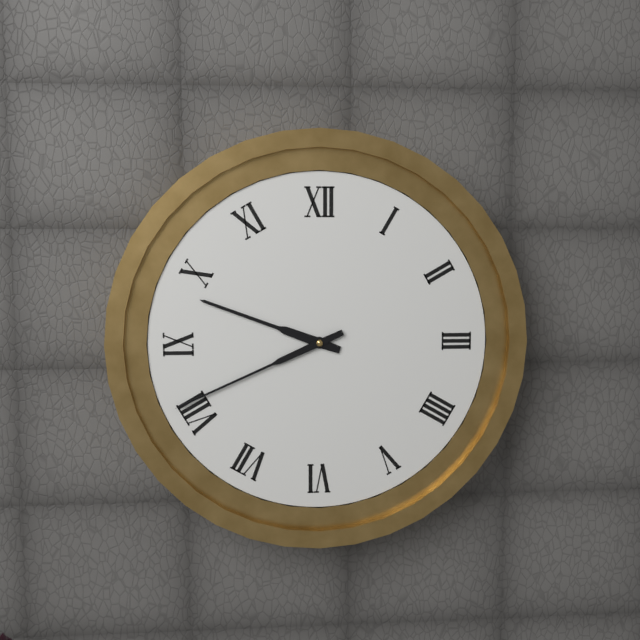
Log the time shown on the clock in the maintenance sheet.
9:41
